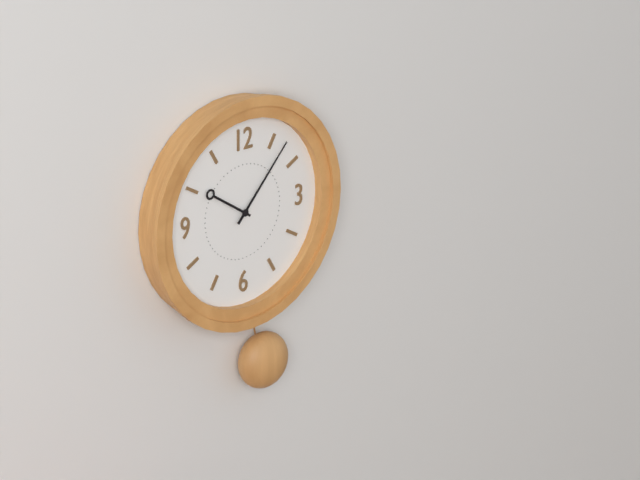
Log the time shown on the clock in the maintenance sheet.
10:07
